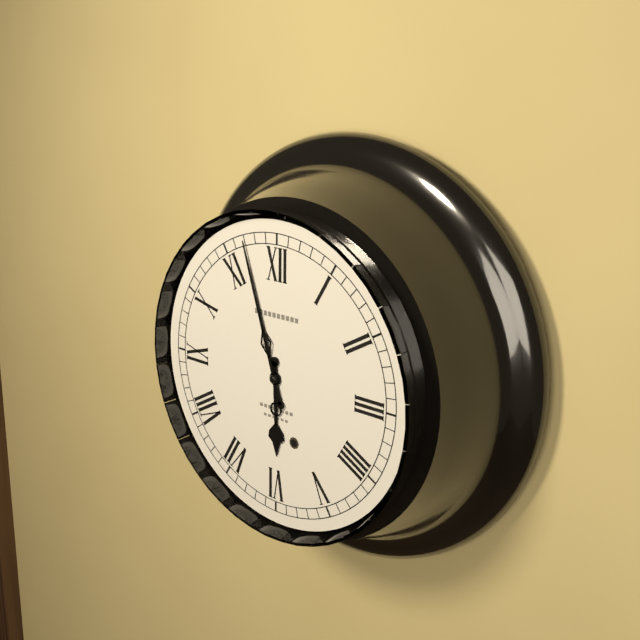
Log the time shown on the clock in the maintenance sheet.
5:57
